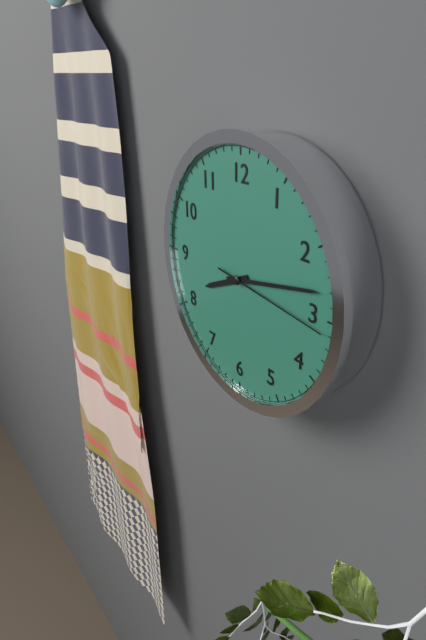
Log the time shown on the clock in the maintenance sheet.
8:13:16
